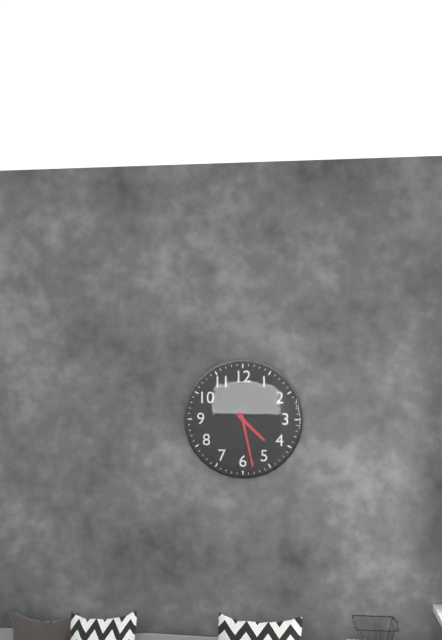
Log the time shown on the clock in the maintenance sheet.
4:28
